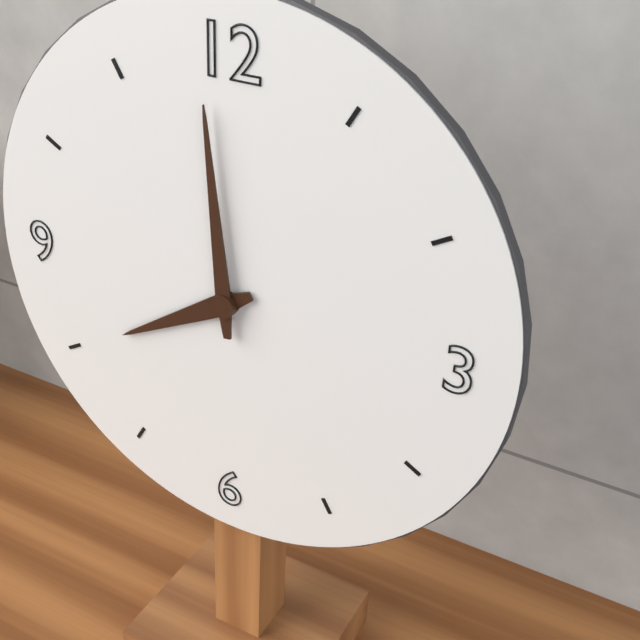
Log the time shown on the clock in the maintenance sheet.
7:59
